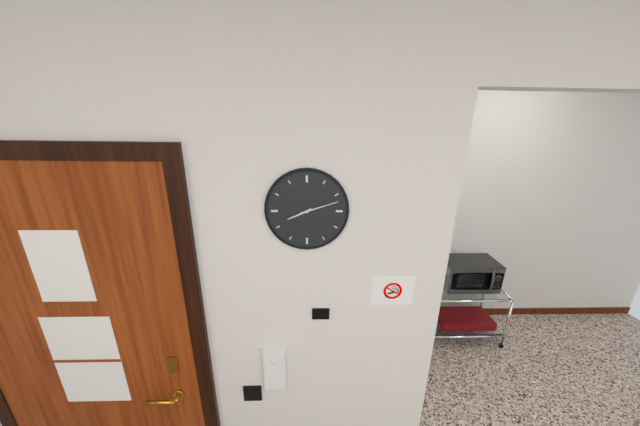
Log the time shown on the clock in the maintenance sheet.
8:12
